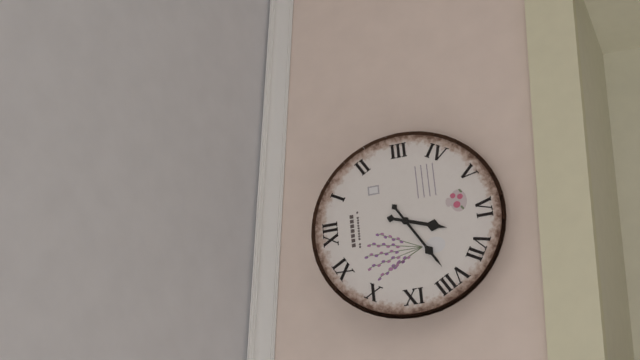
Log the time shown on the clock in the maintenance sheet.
6:40
